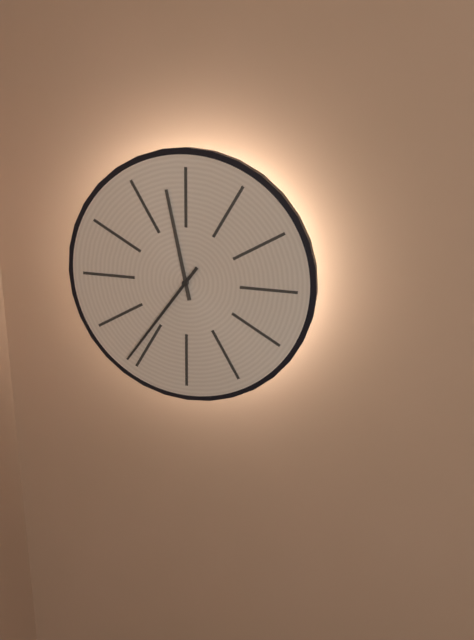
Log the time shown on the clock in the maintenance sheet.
11:36
